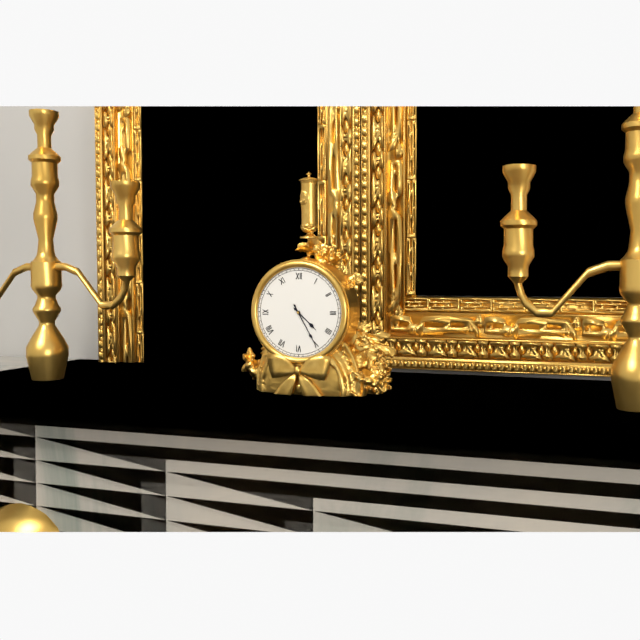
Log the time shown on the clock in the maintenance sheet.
4:25
